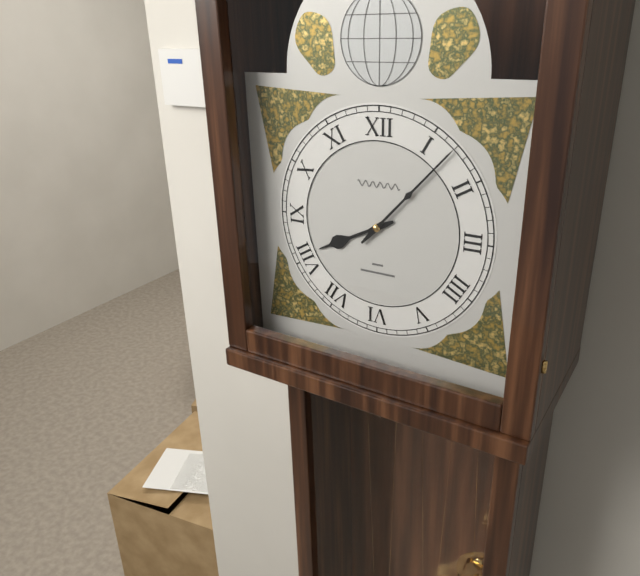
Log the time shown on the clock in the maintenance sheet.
8:07
